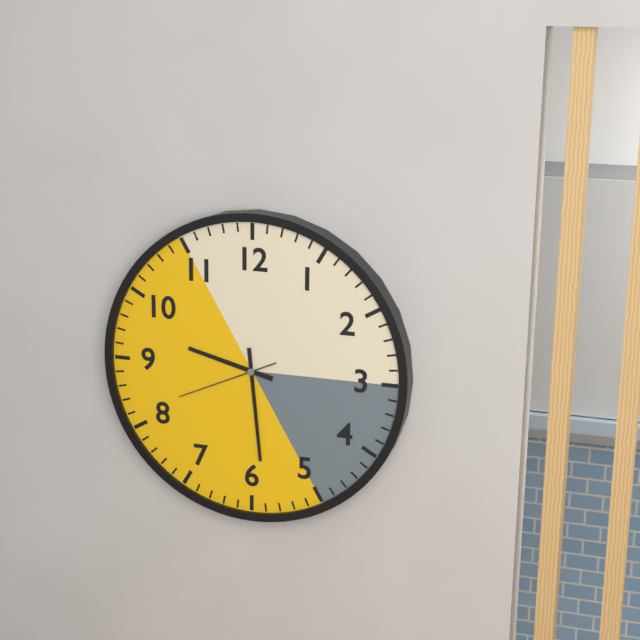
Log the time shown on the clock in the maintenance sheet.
9:29:41
